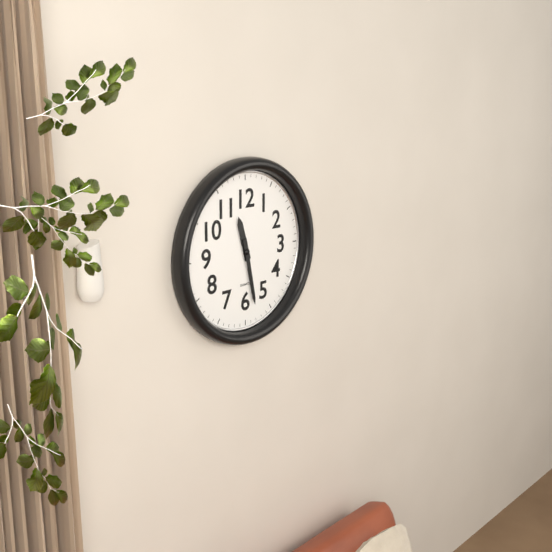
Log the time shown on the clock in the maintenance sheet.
11:28
